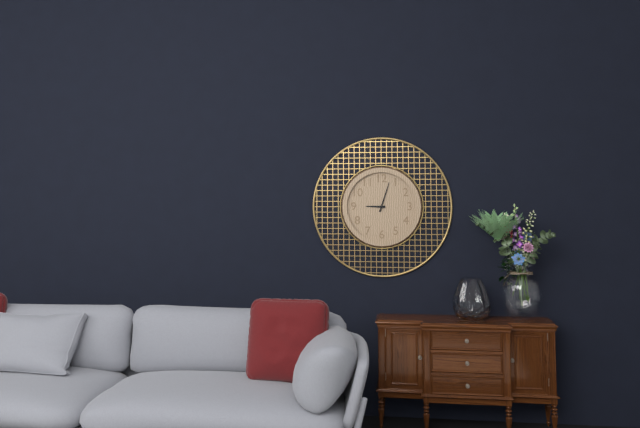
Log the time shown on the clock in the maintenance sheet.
9:03
